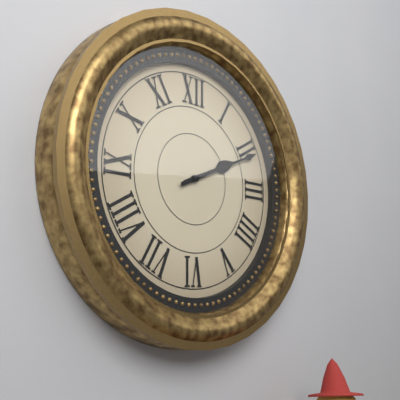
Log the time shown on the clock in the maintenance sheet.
2:11
